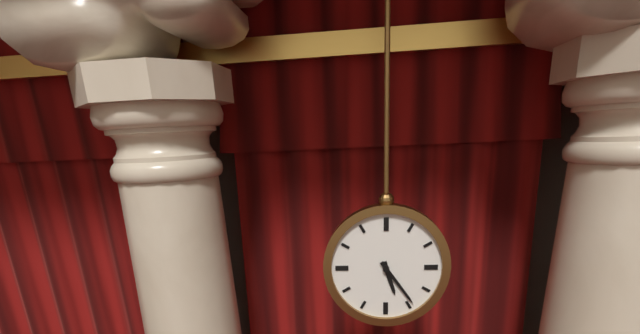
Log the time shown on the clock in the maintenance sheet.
5:24
